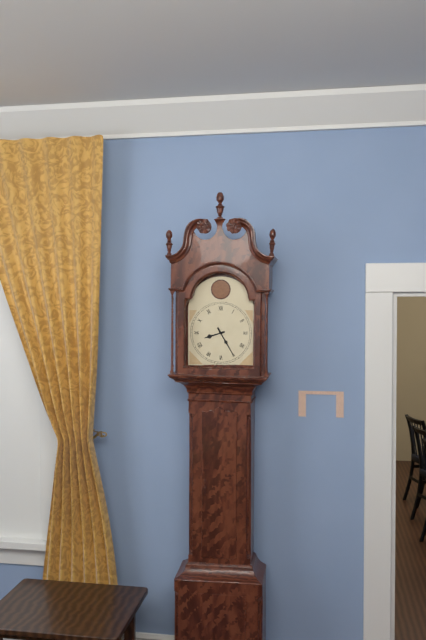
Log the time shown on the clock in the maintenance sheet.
8:25
